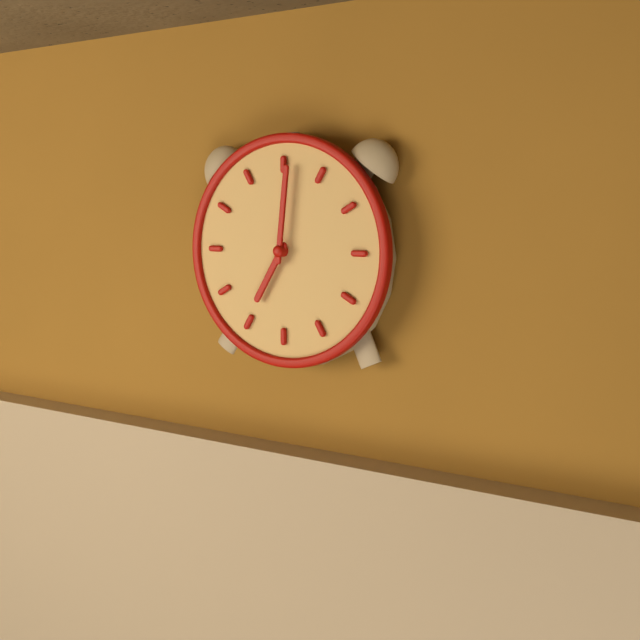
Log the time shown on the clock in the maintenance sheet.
7:01
